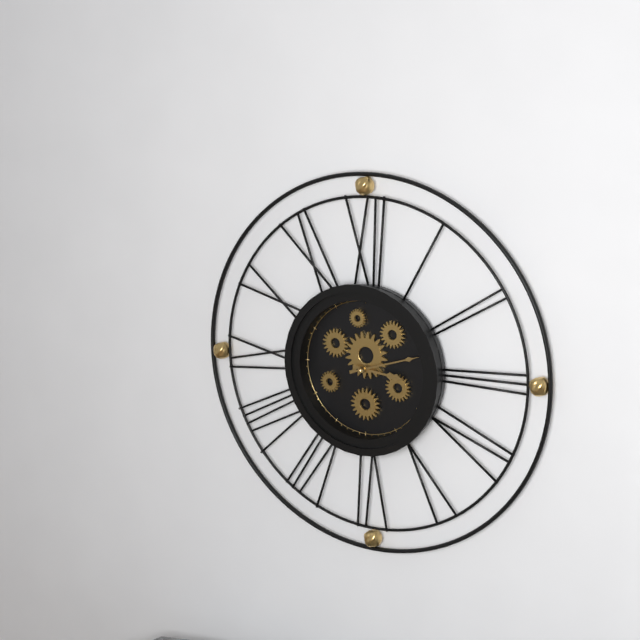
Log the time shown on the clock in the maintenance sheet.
3:12
